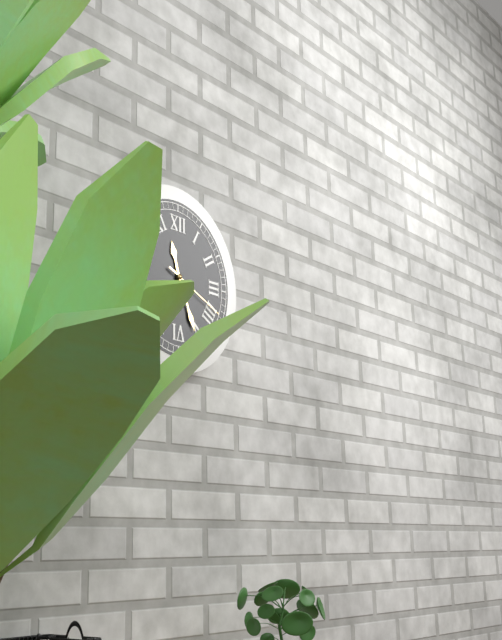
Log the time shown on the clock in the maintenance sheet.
11:26:19
